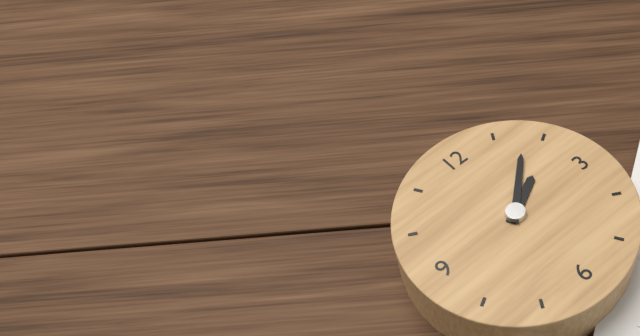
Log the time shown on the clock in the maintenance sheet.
2:08
